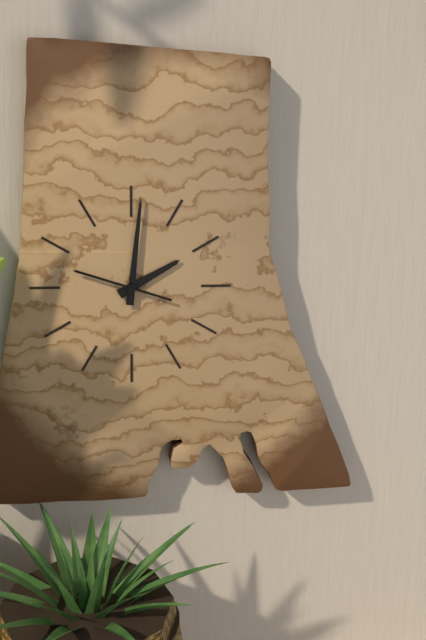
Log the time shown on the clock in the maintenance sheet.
2:01:48
